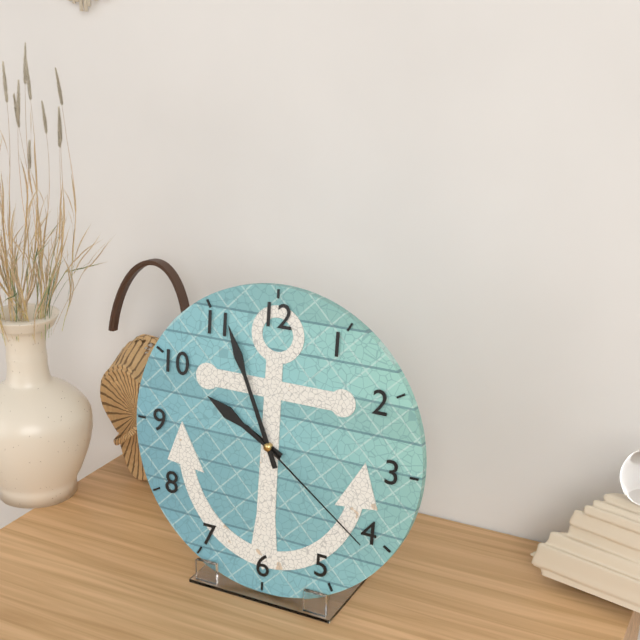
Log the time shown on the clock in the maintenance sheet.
9:56:21
